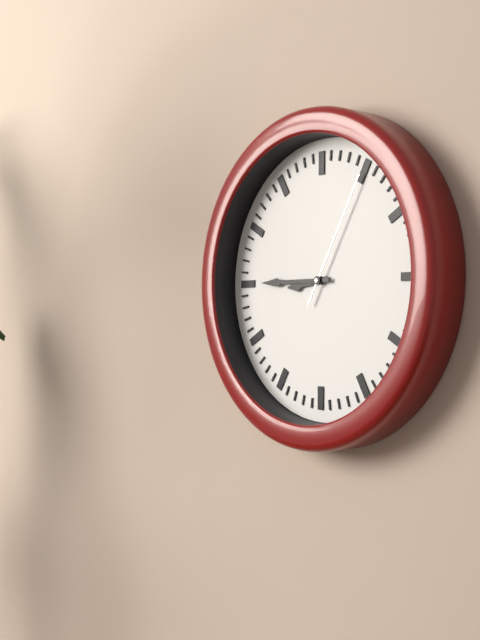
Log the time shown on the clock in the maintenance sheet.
8:45:05
